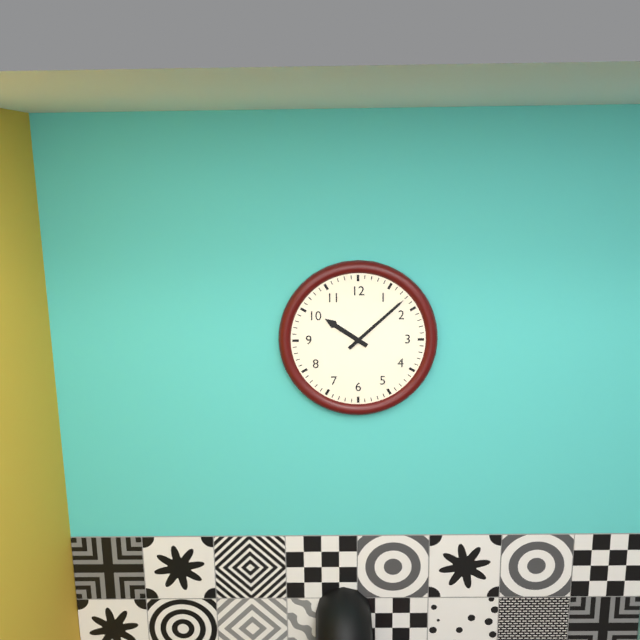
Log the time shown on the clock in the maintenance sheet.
10:08
